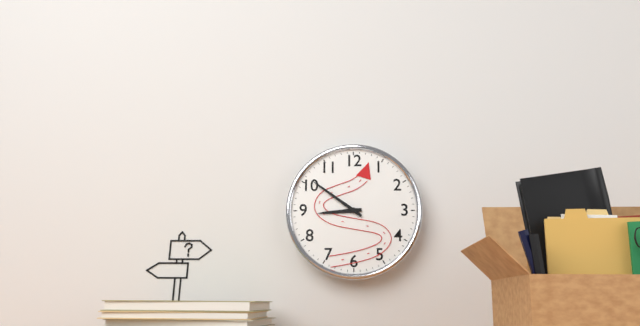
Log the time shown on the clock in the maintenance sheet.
8:51
